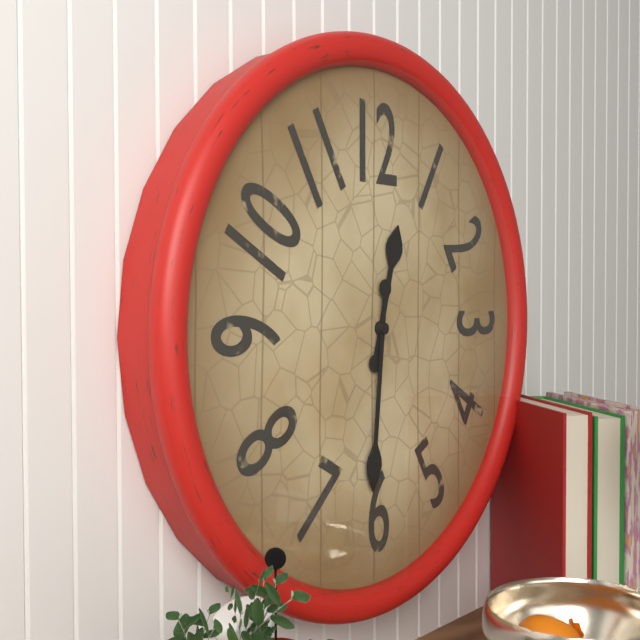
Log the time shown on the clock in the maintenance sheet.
12:31
